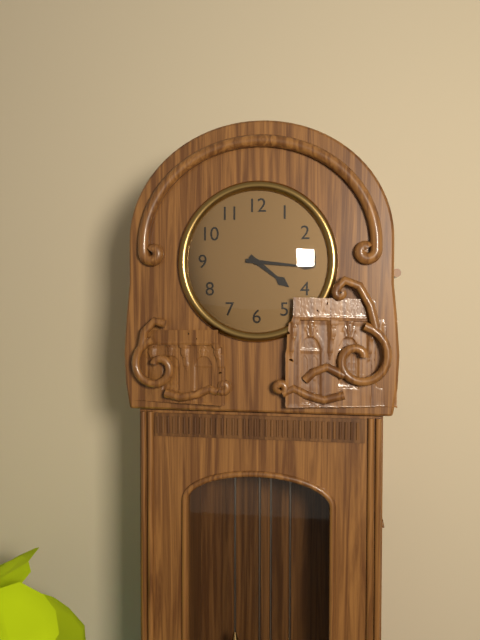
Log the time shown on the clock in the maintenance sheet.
4:16
